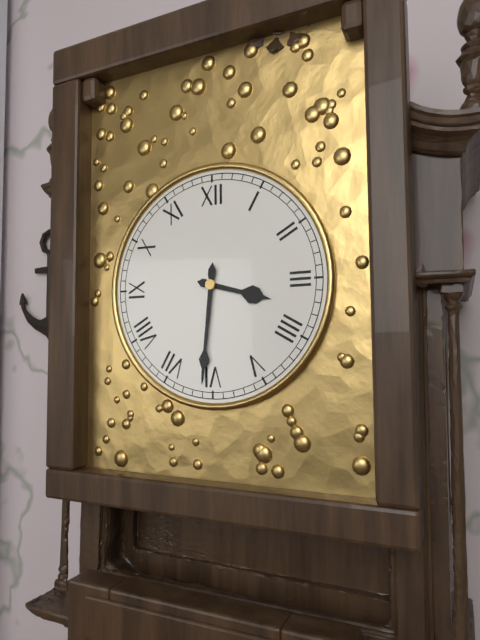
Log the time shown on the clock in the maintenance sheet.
3:31
